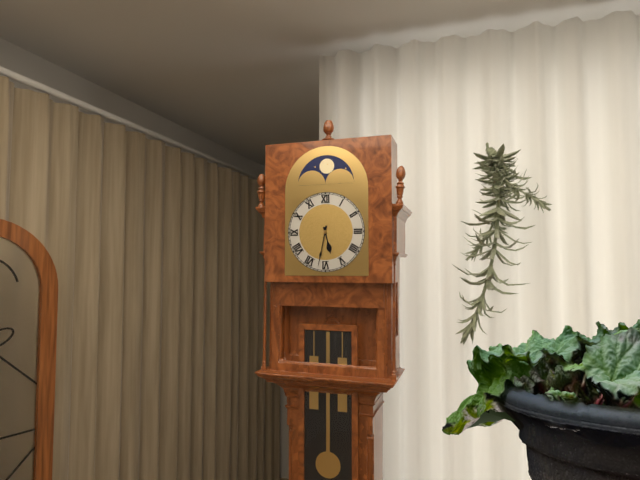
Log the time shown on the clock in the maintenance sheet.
5:32
